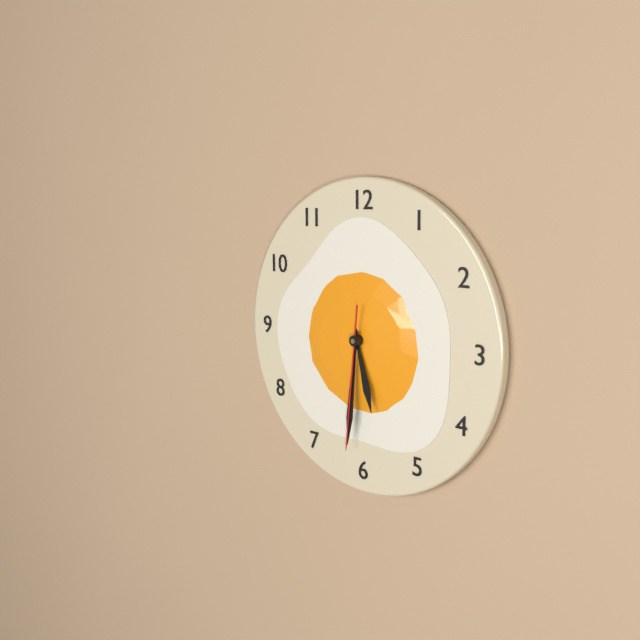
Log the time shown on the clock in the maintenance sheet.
5:31:31
